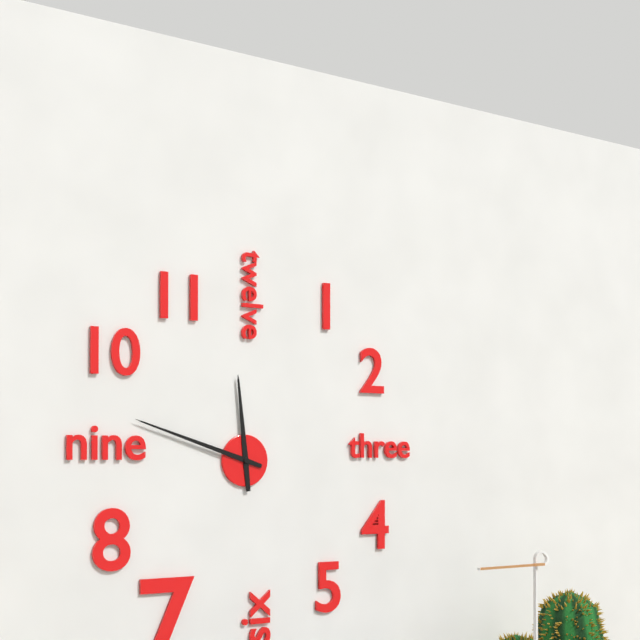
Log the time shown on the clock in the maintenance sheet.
11:48
